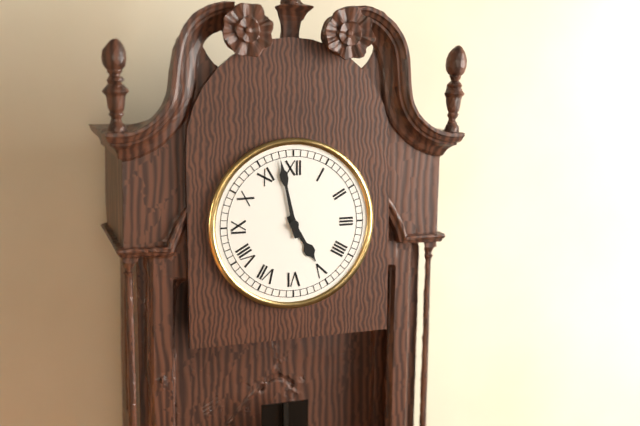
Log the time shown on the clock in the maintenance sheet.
4:58
